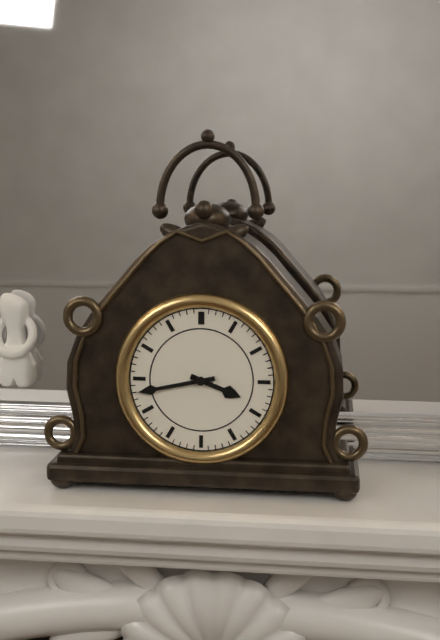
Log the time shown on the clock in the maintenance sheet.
3:43
